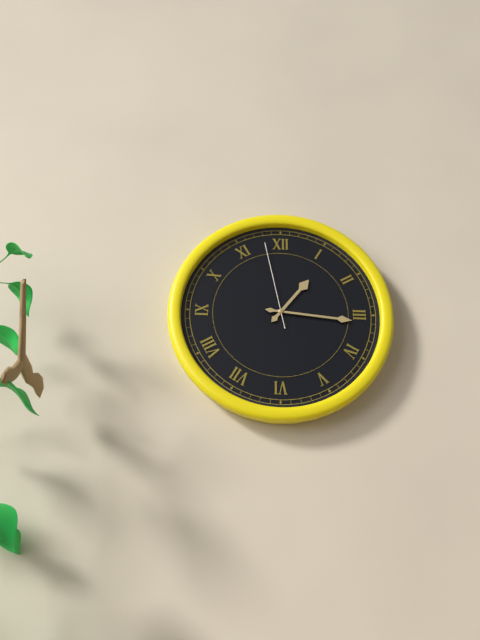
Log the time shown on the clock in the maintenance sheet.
1:16:58
